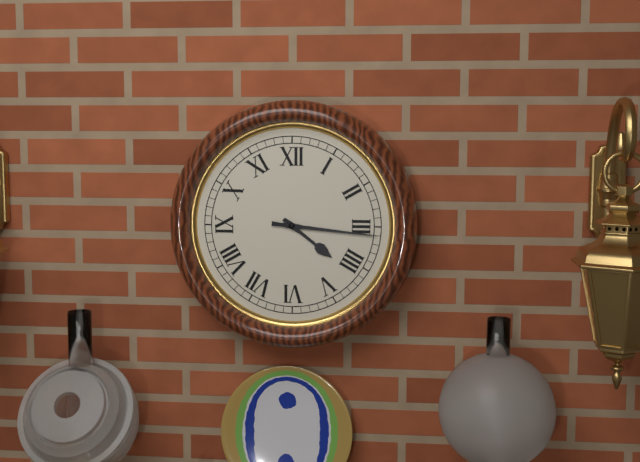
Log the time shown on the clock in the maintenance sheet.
4:16
